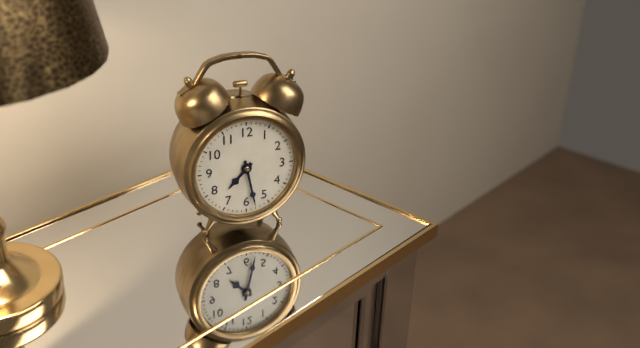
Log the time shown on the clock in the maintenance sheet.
7:28
